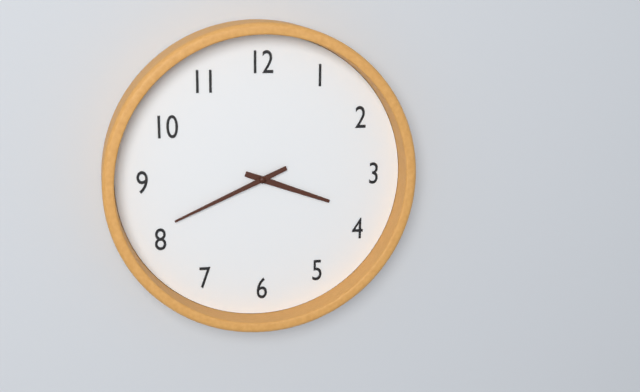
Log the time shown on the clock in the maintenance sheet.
3:41
